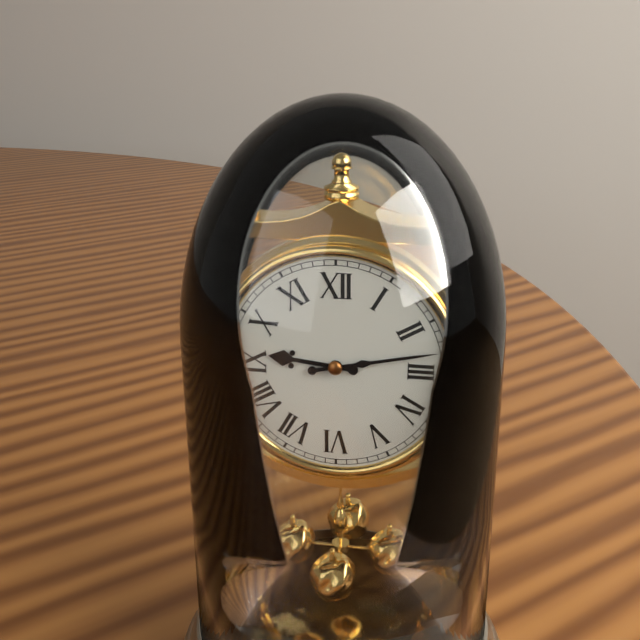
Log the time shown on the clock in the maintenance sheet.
9:13
